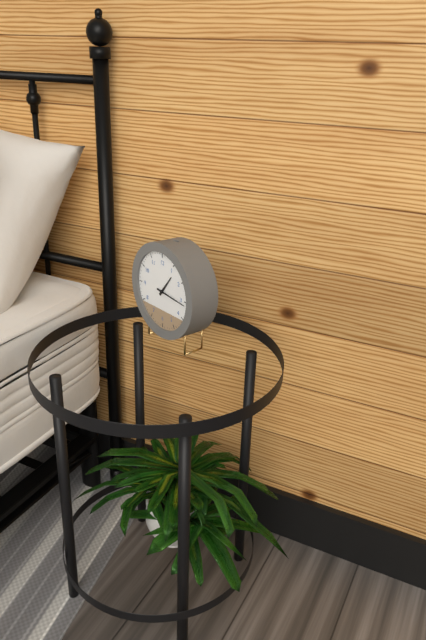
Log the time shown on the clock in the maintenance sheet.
1:16
